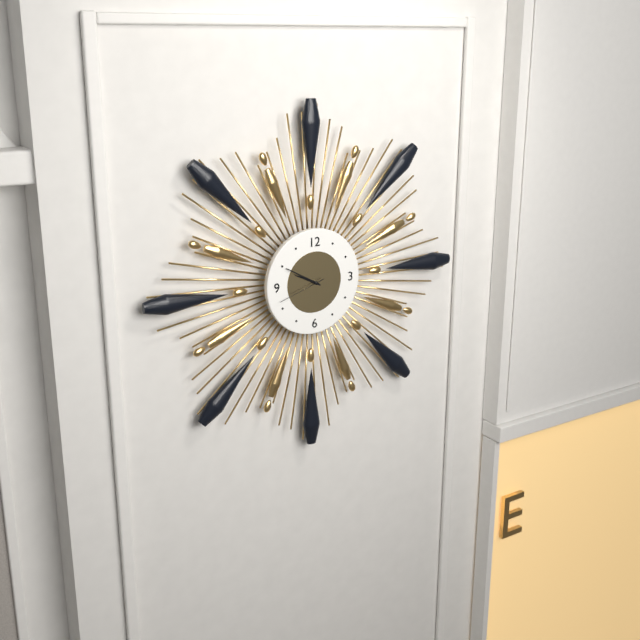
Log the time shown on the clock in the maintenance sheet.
9:50:42
